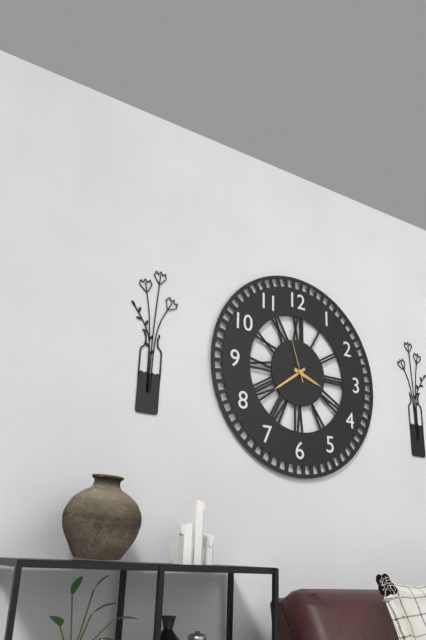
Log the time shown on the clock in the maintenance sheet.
3:39:57
